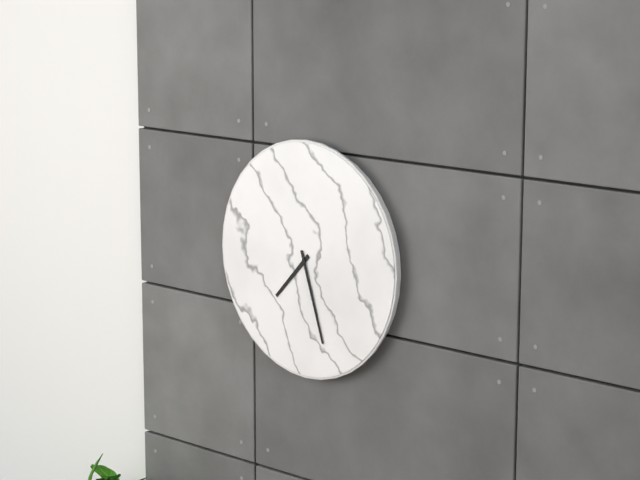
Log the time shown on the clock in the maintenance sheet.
7:27
